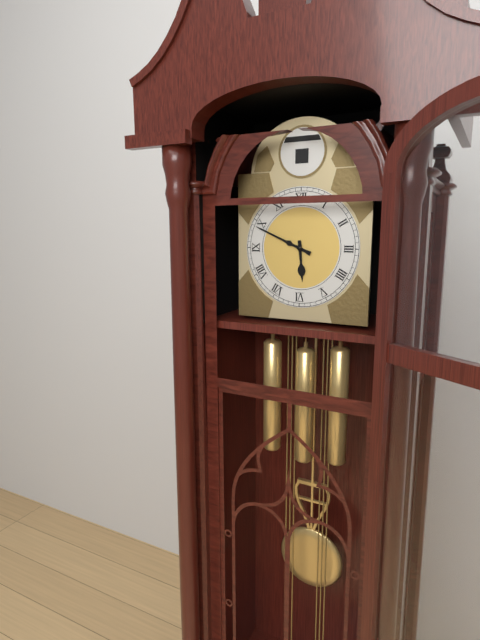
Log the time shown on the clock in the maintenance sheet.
5:49
